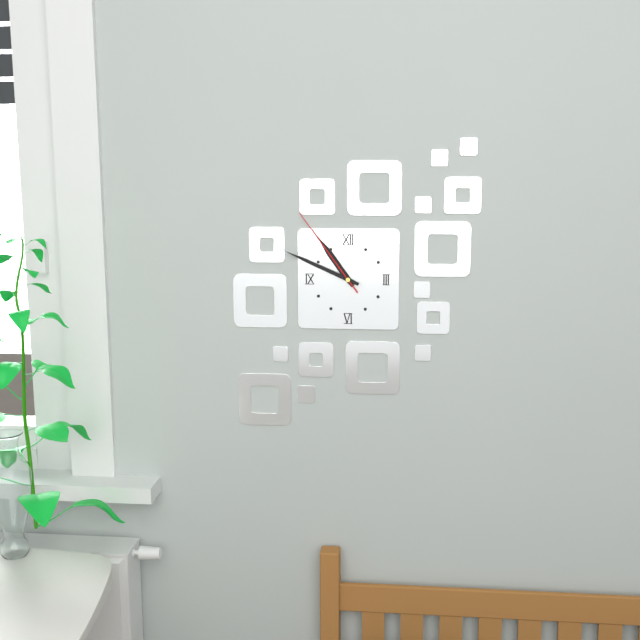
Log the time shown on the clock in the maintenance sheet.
10:49:54
